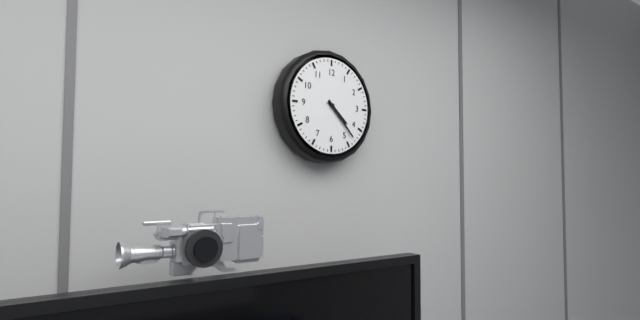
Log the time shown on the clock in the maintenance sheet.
4:23
